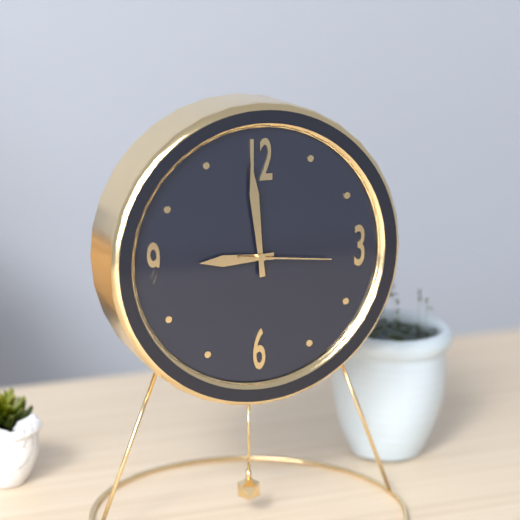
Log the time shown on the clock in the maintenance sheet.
8:59:16
